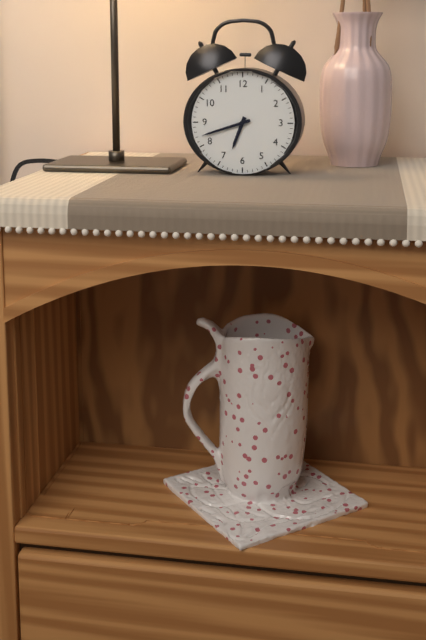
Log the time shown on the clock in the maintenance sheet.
6:42
